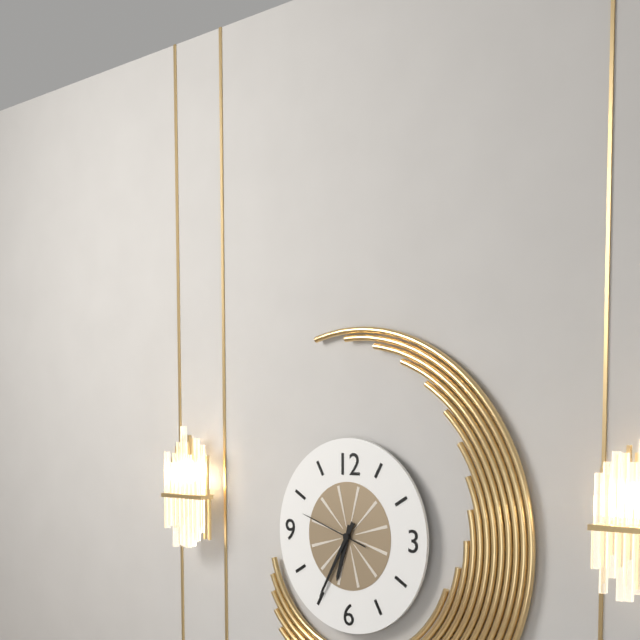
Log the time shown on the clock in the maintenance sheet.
6:35:48
